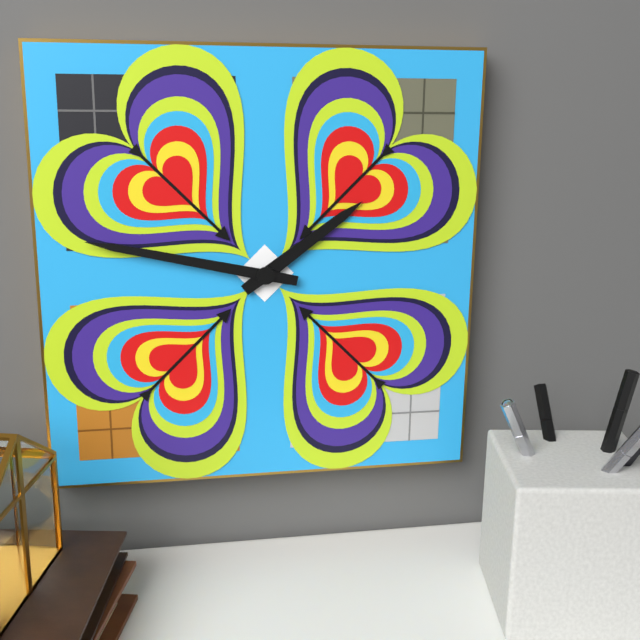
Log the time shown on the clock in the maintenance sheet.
1:47
